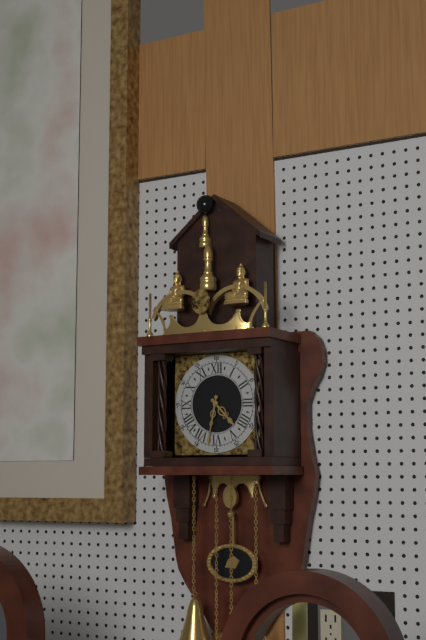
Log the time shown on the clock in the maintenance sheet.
4:32
